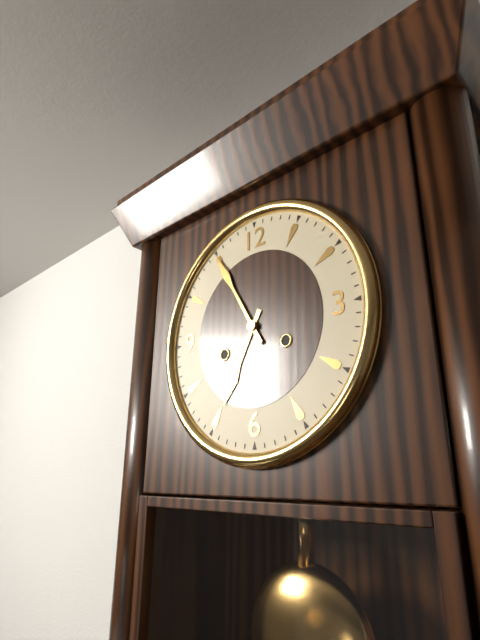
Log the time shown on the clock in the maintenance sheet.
6:55
